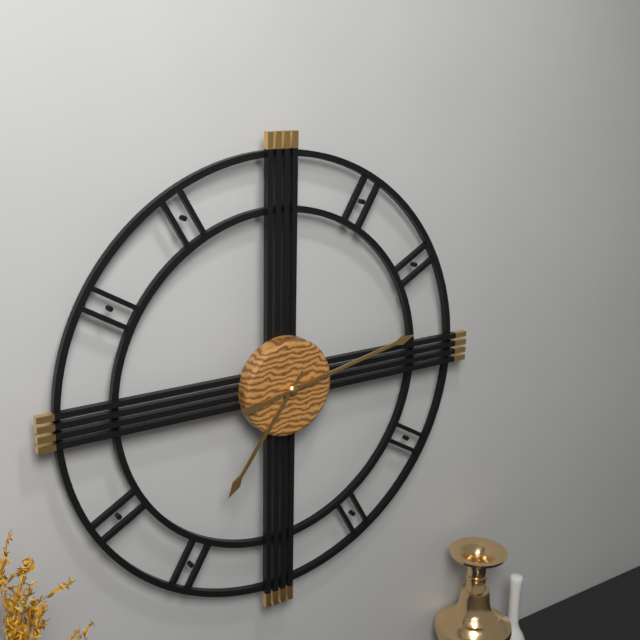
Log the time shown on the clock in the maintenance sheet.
7:13
